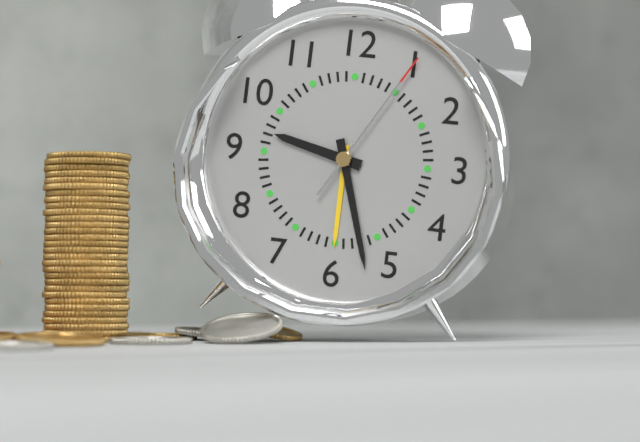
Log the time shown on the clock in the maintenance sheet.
9:27:05
